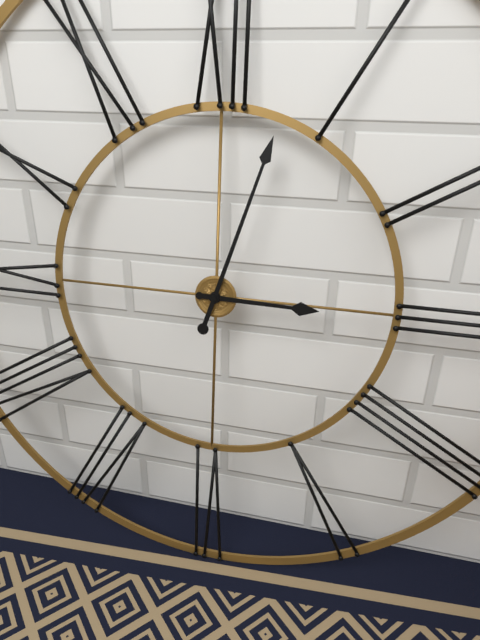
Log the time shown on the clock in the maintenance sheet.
3:03
